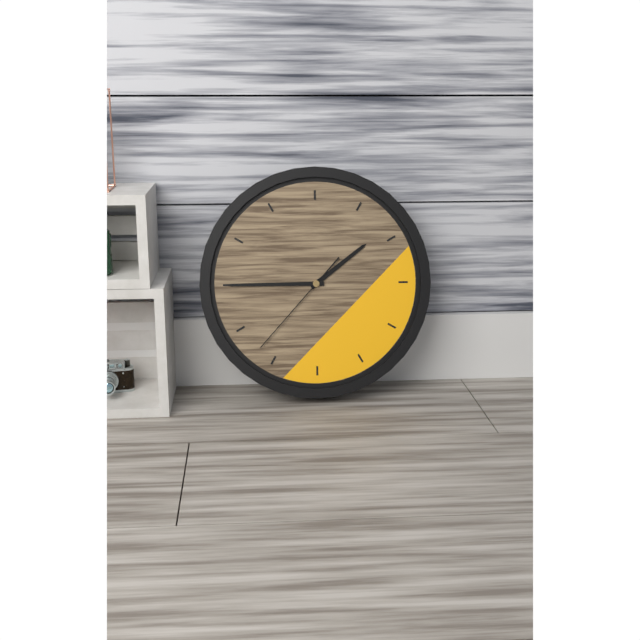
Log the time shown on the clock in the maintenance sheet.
1:45:37
